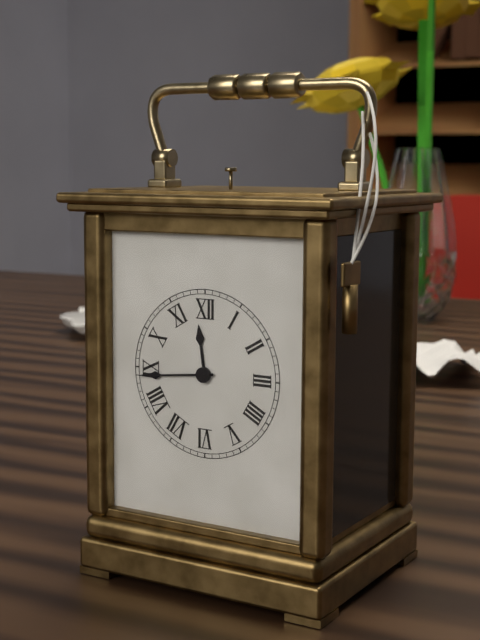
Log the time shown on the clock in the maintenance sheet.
11:44
